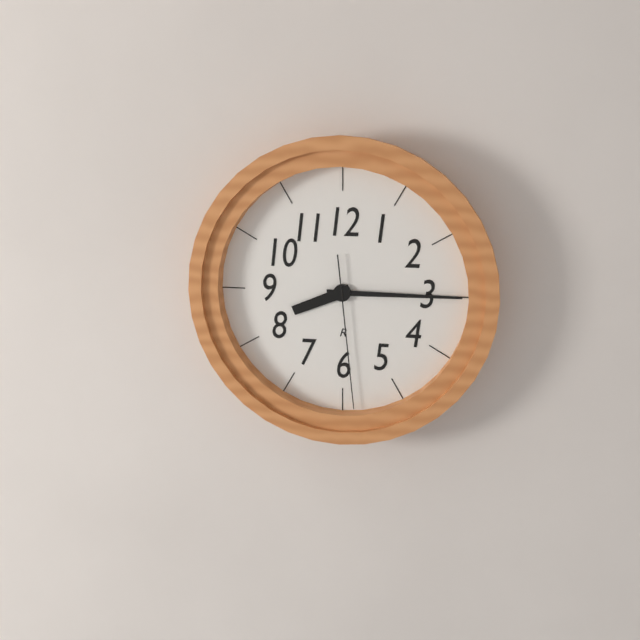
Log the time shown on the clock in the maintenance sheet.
8:15:29
